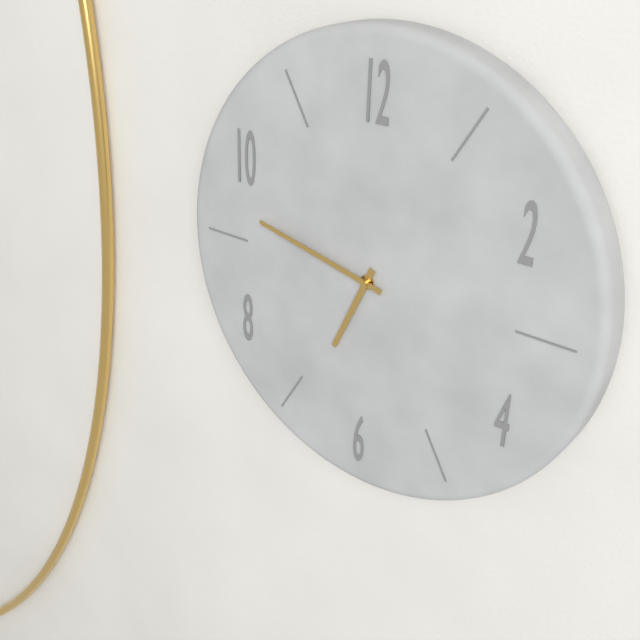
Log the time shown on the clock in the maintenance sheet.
6:47
